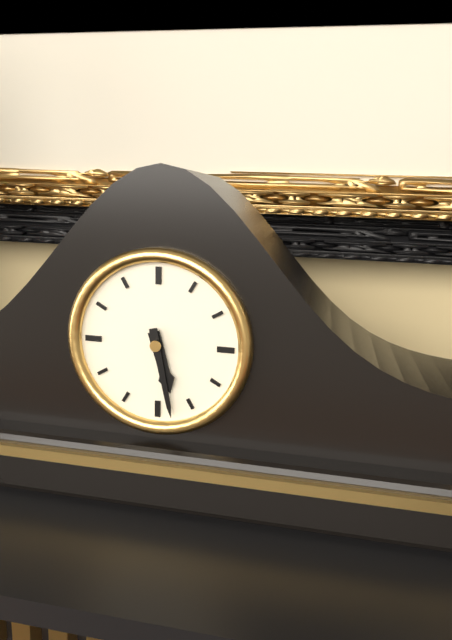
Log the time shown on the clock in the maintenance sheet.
5:28
